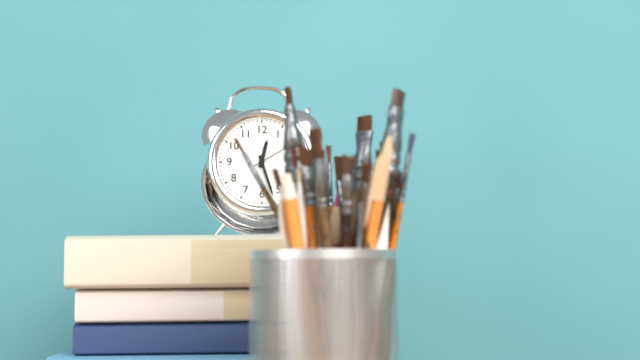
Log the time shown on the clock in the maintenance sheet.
12:27
